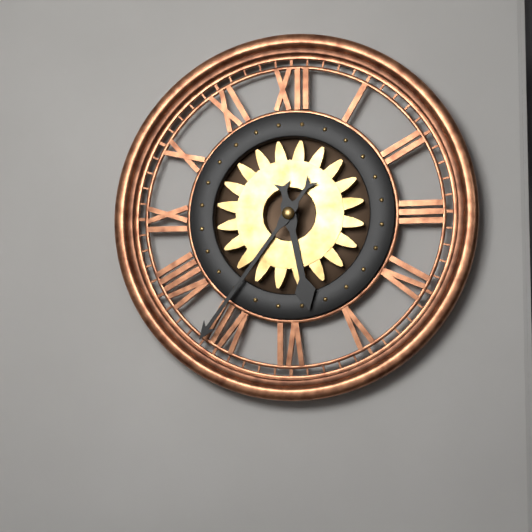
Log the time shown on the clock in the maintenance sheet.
5:36
